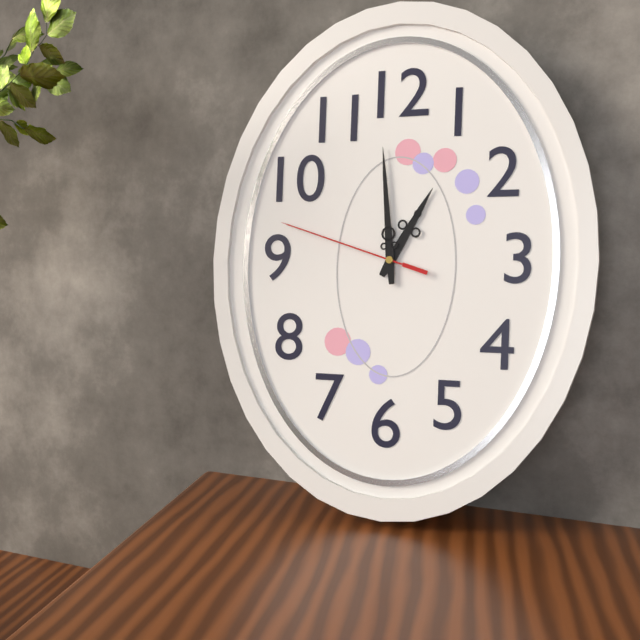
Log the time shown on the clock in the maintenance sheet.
12:59:48
